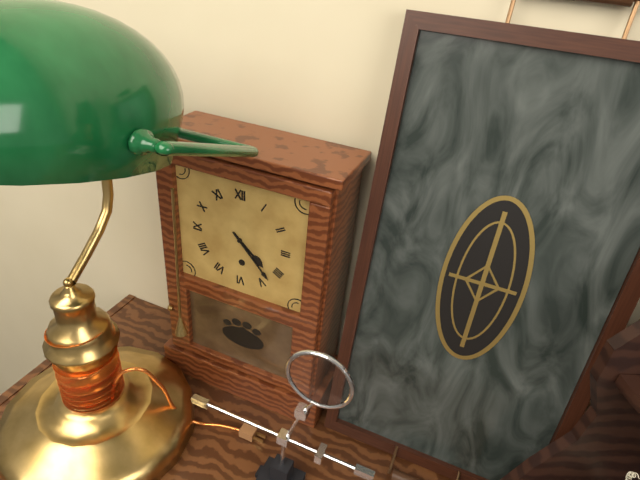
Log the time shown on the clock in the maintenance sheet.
4:23
